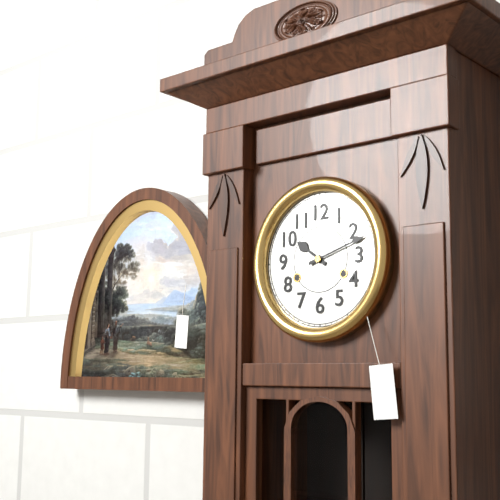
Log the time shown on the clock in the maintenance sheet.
10:12
